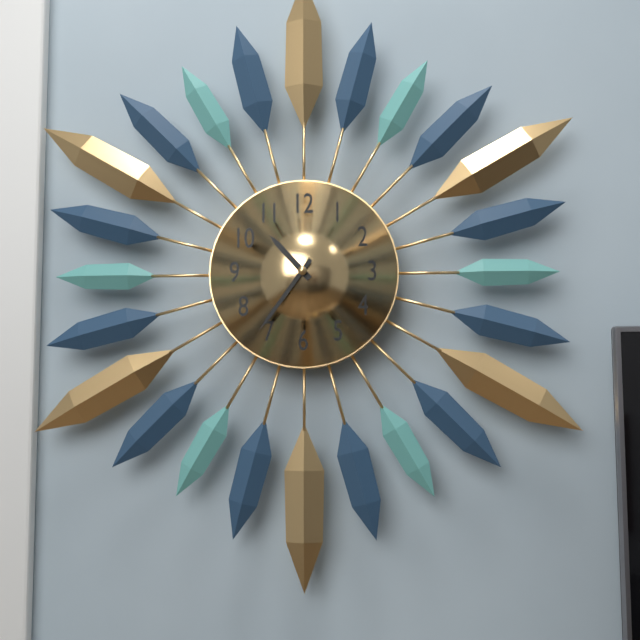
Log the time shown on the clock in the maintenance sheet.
10:36
